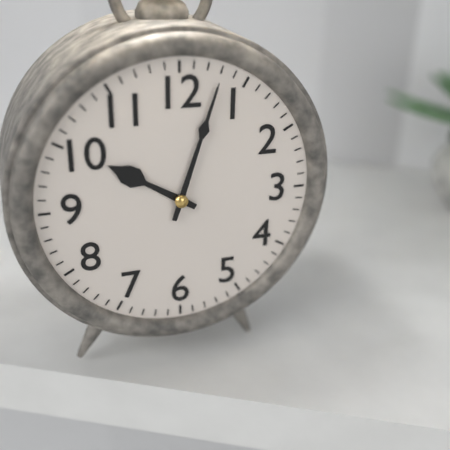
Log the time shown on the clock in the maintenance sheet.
10:03
